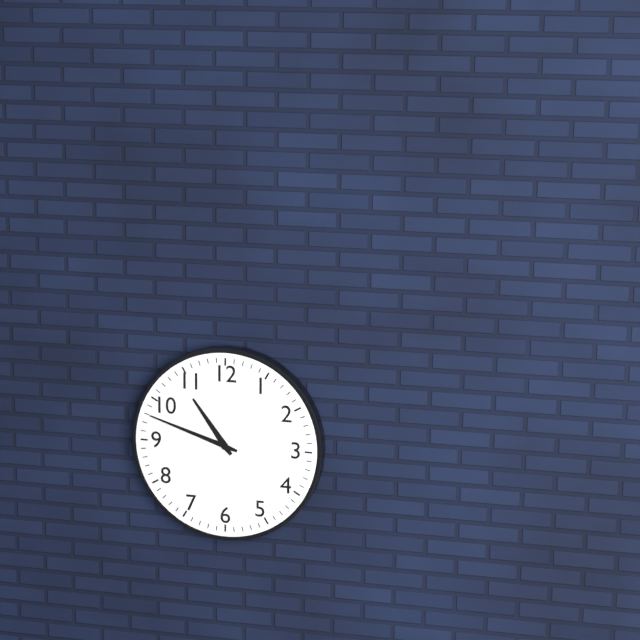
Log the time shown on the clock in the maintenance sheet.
10:48
